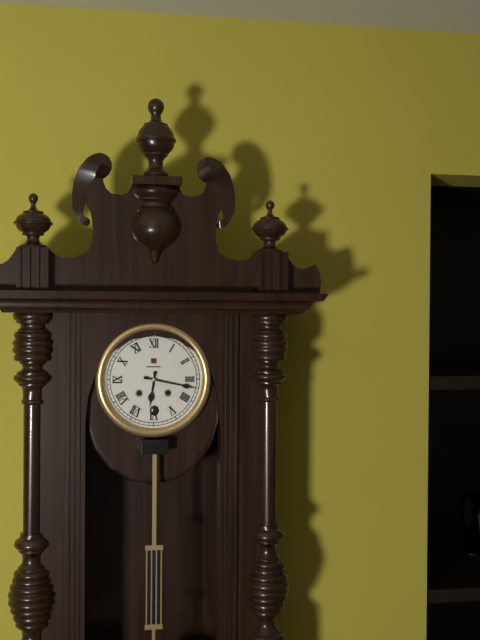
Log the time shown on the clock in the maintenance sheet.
6:17
